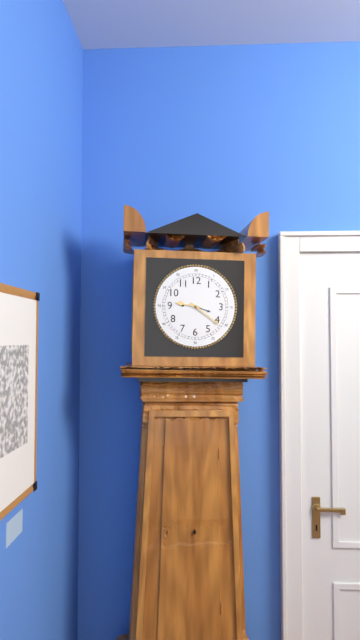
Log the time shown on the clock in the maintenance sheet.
9:21
